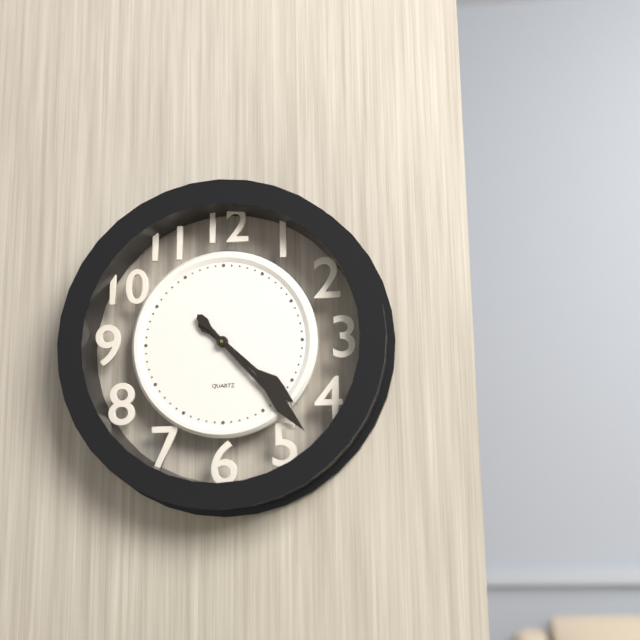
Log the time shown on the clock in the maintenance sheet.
4:23
